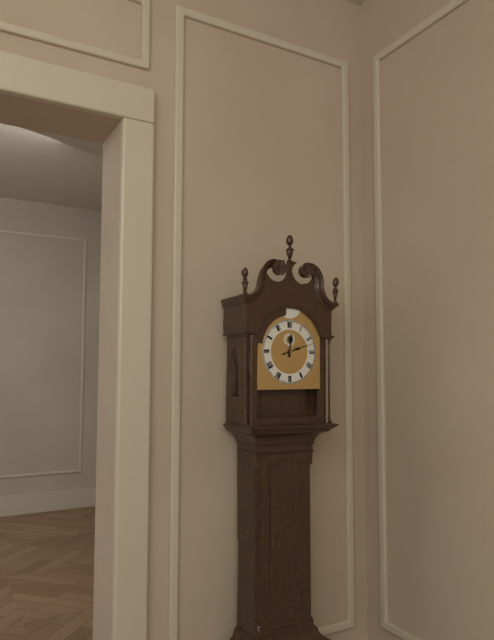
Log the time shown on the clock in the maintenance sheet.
12:12
